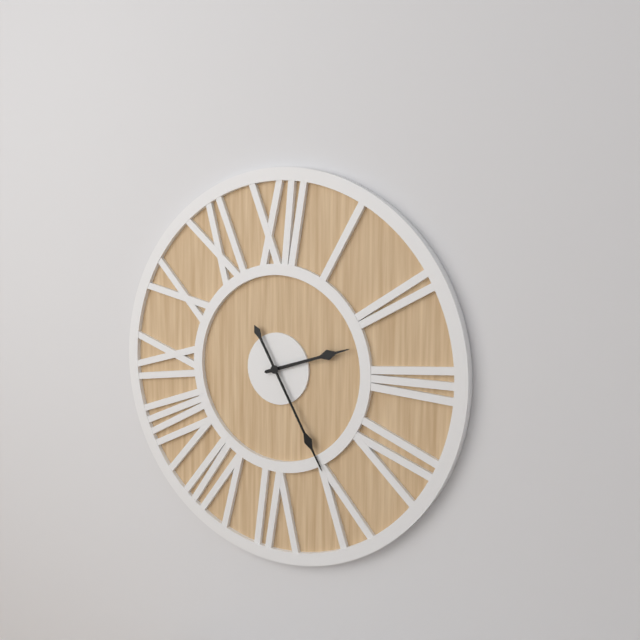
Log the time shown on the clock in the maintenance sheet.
2:25
